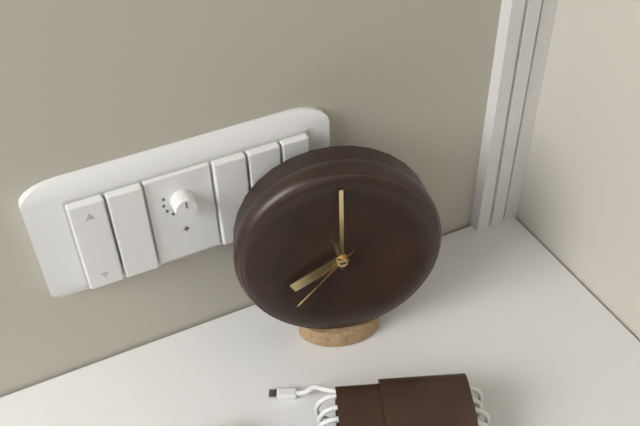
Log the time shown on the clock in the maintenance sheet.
8:00:37
